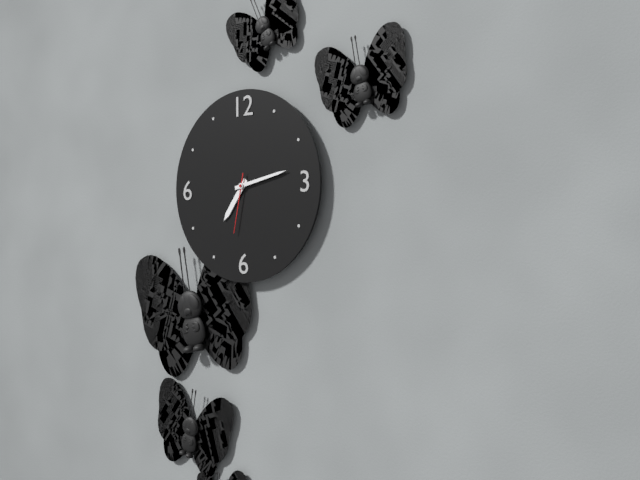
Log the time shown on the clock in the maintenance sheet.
7:13:32
